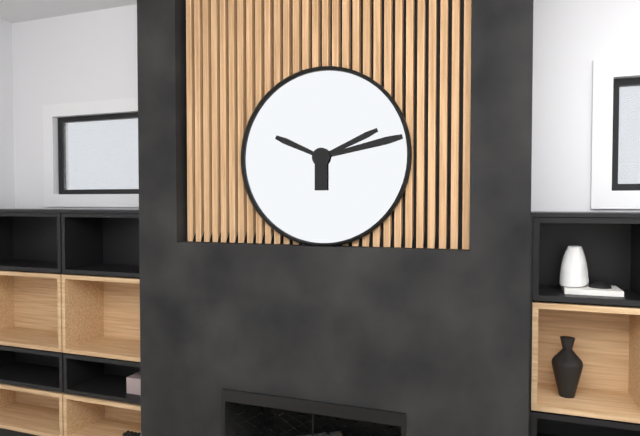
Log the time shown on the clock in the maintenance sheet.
2:13:49
